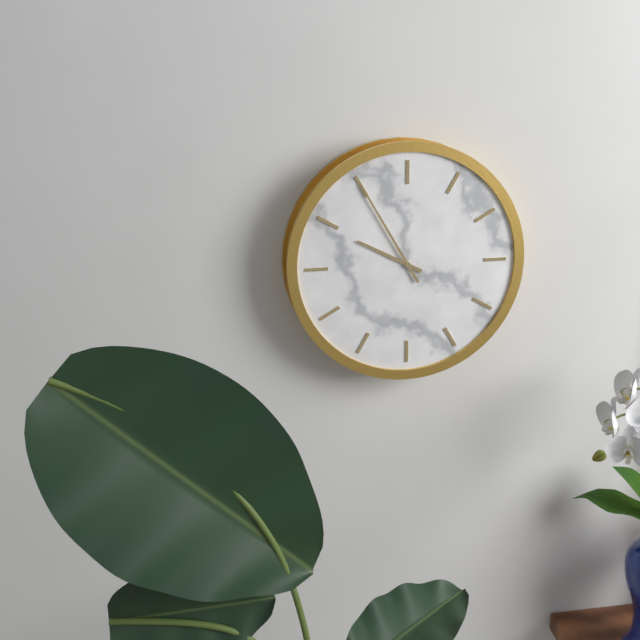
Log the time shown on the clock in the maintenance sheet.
9:55
